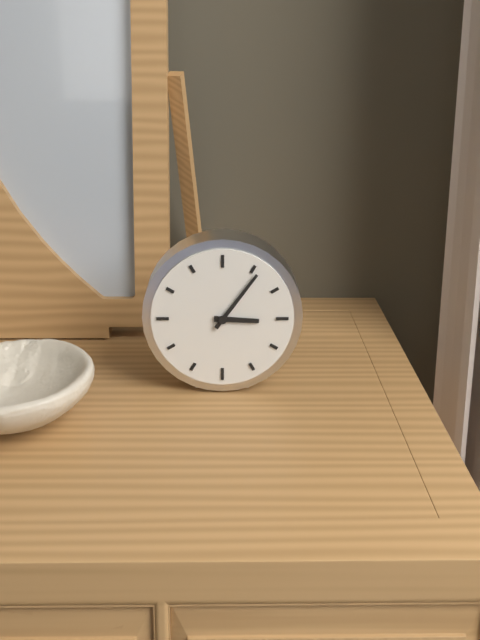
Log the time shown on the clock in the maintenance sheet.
3:06
